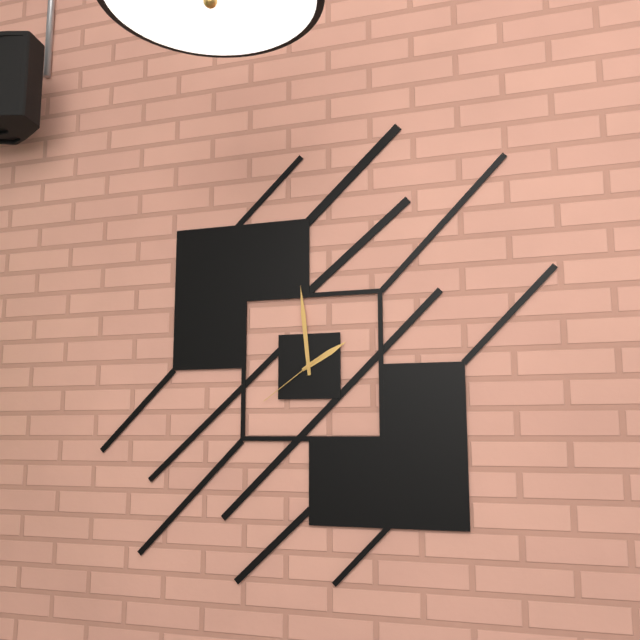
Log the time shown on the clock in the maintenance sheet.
1:59:39
